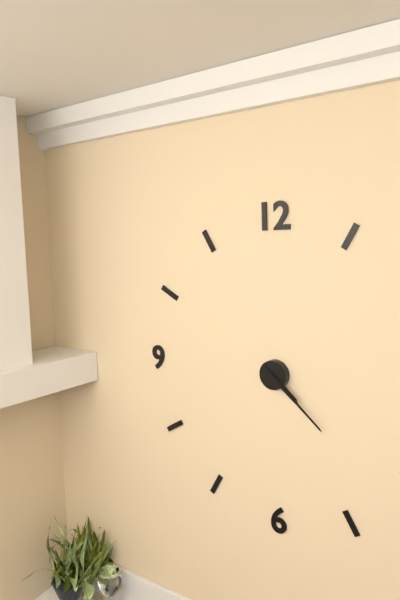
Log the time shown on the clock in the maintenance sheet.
4:22
